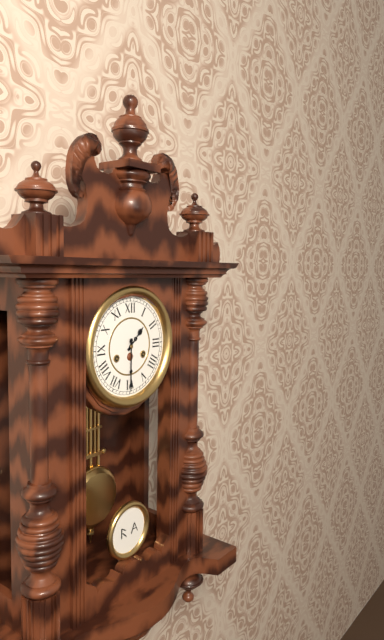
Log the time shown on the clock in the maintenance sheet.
1:30
